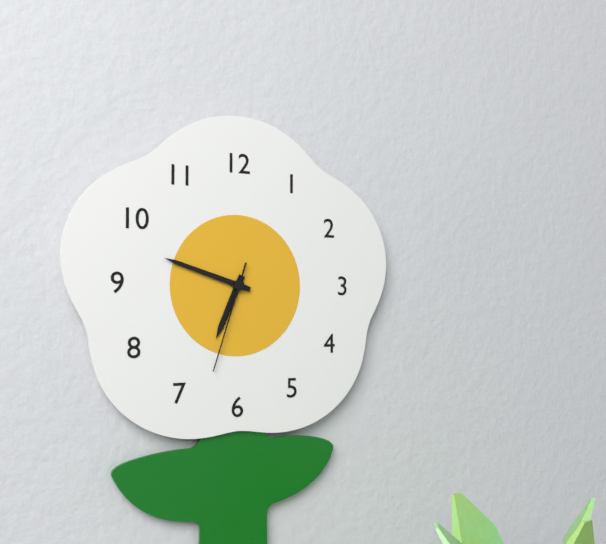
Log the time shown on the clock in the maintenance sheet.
6:48:33
